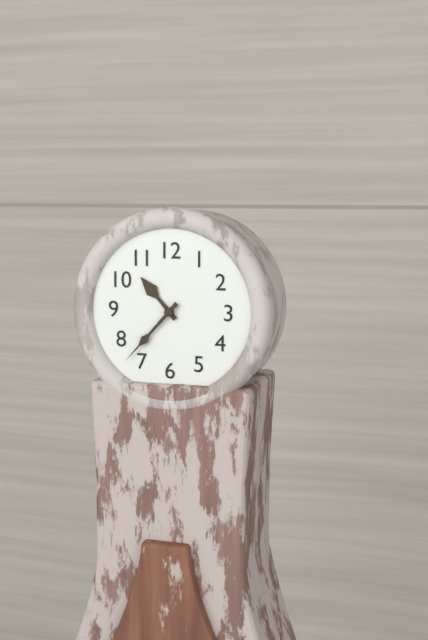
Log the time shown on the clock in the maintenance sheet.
10:37
